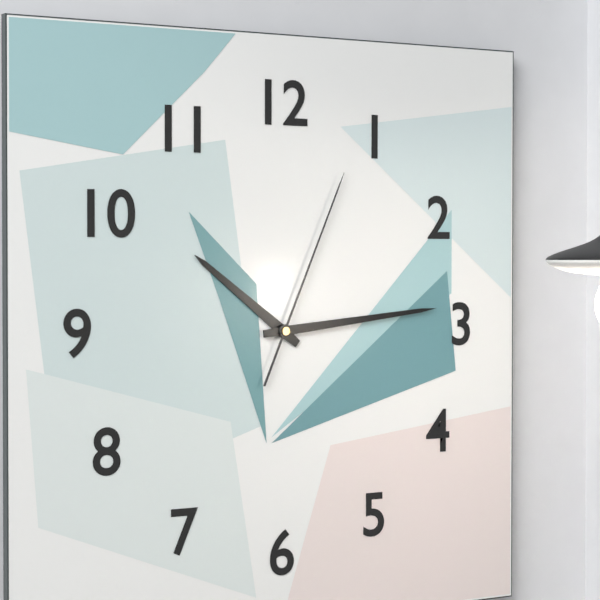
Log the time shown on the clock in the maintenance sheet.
10:14:04
